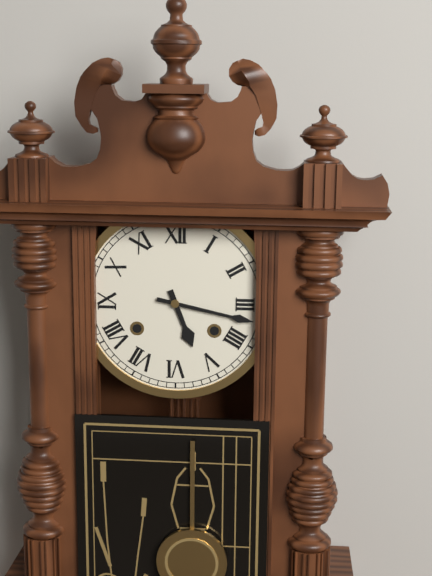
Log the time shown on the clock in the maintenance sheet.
5:17
